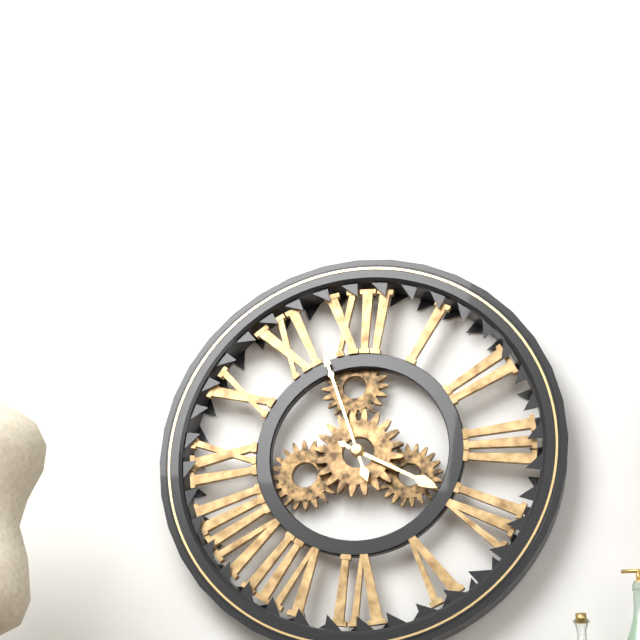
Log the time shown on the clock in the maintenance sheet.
3:57
